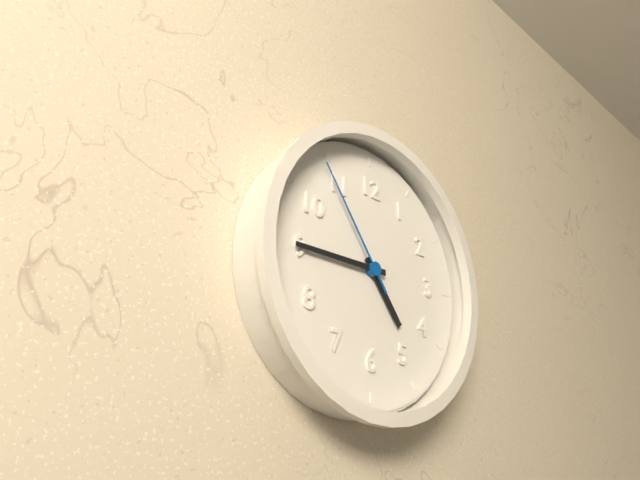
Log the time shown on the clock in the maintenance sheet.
4:45:54
